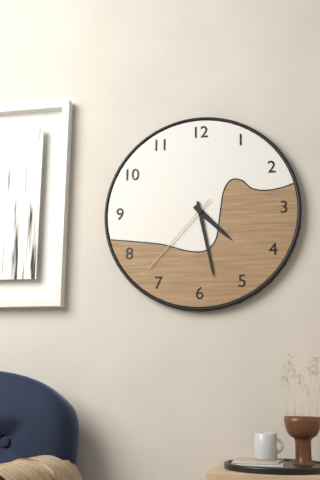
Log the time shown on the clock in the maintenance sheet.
4:28:37
